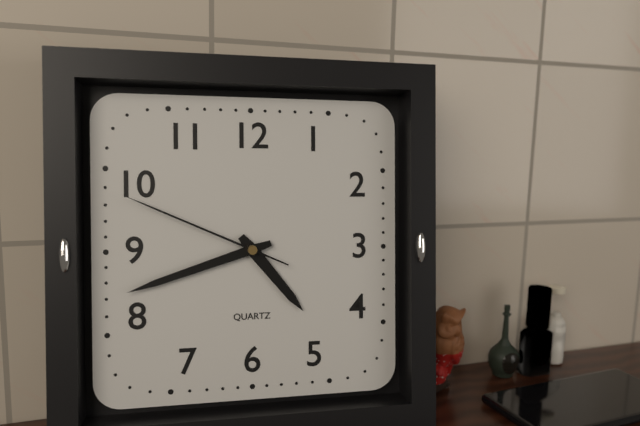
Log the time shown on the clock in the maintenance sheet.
4:42:49
